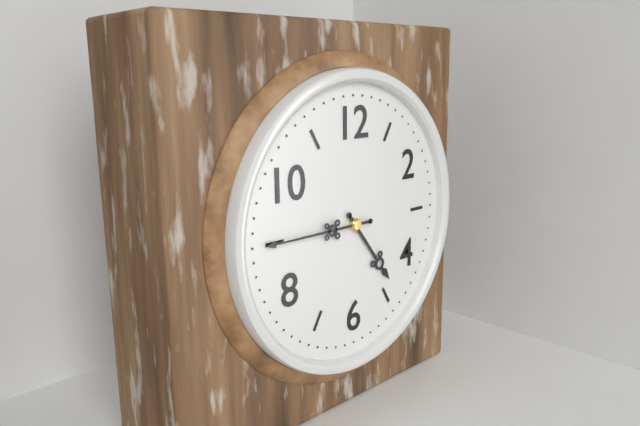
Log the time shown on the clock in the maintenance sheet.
4:45
